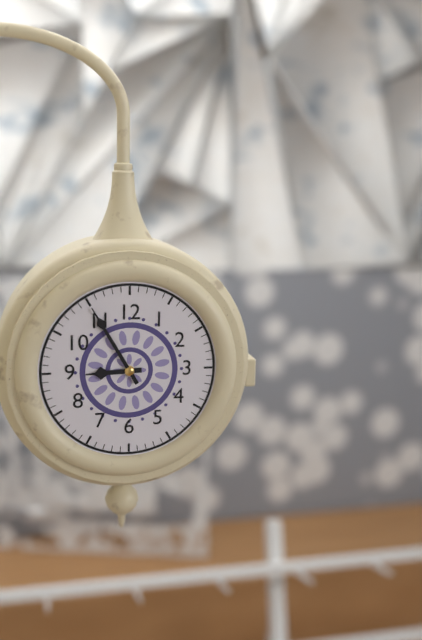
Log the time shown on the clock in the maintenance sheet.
8:55
